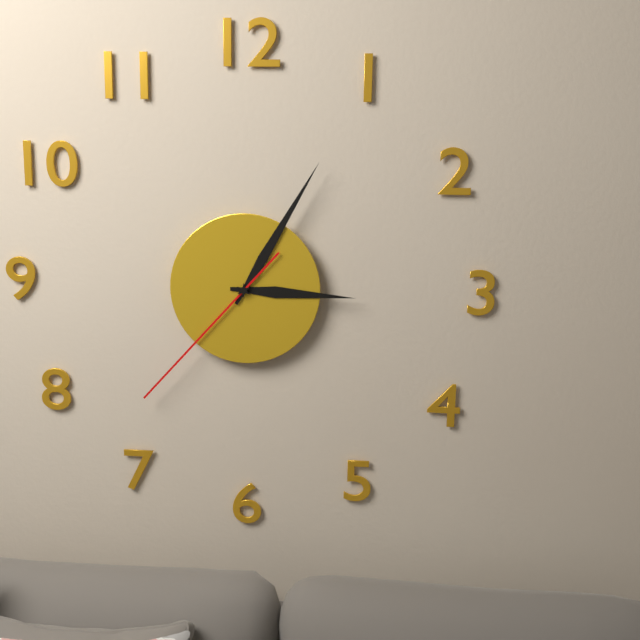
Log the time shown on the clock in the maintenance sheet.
3:05:37
